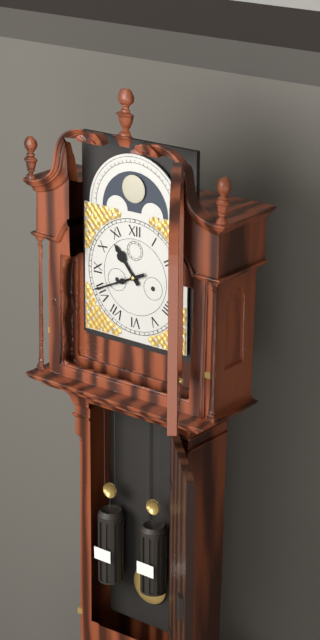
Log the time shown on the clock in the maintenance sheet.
10:41
